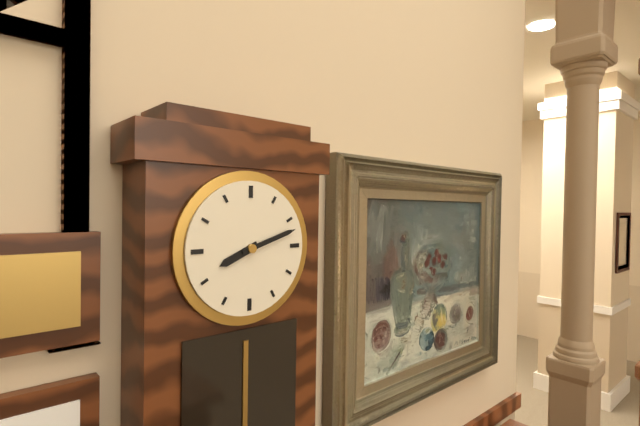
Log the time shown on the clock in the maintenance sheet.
8:12
